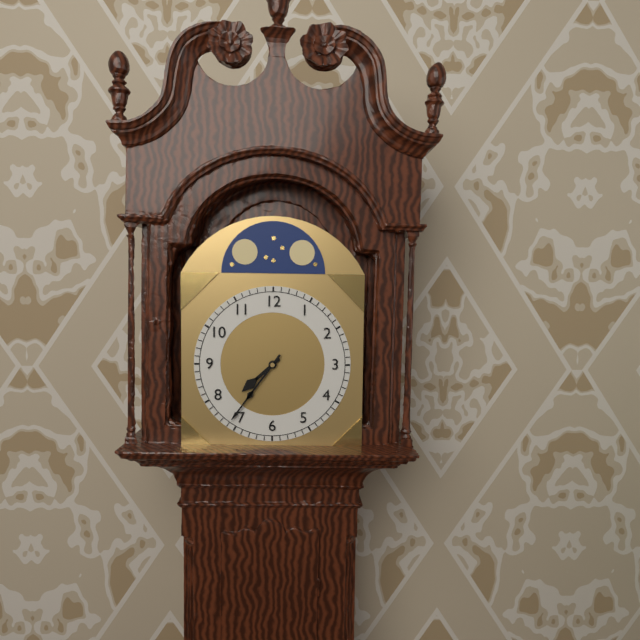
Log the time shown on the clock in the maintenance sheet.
7:36
